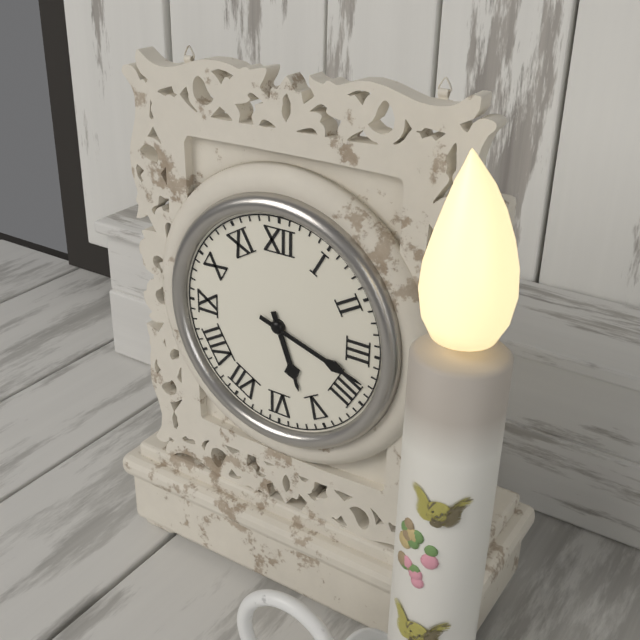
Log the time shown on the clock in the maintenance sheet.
5:18
